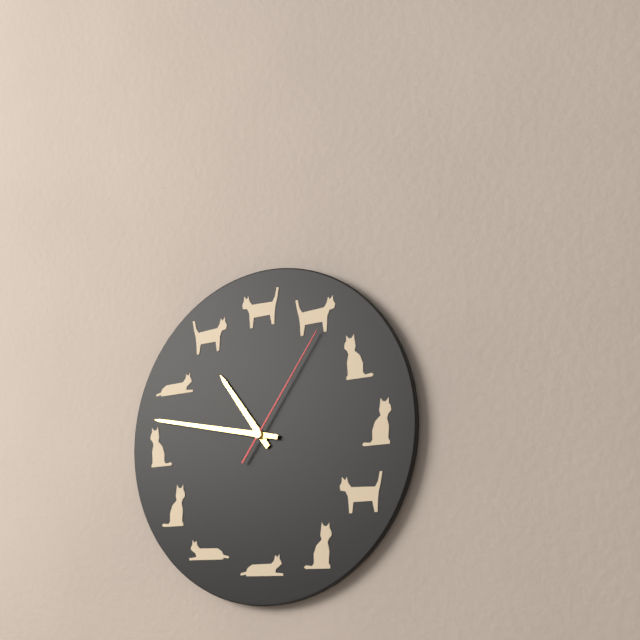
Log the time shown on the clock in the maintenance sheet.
10:47:06
